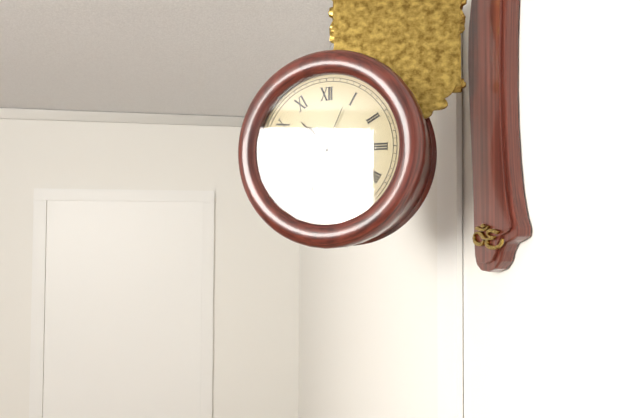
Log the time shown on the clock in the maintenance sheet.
10:34:04
